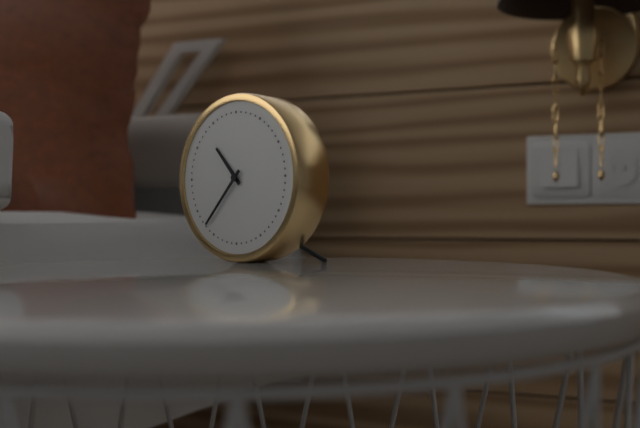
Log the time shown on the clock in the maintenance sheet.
10:37
